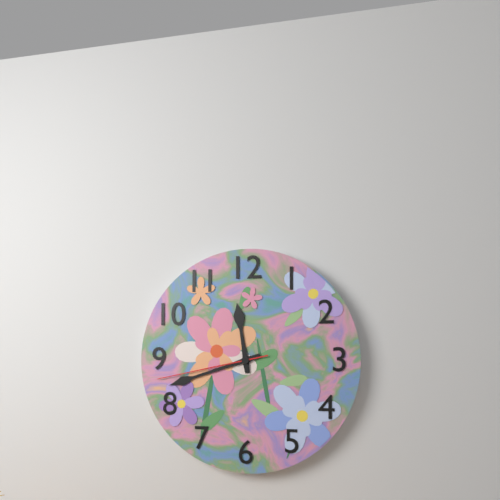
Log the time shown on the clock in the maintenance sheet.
11:42:43
